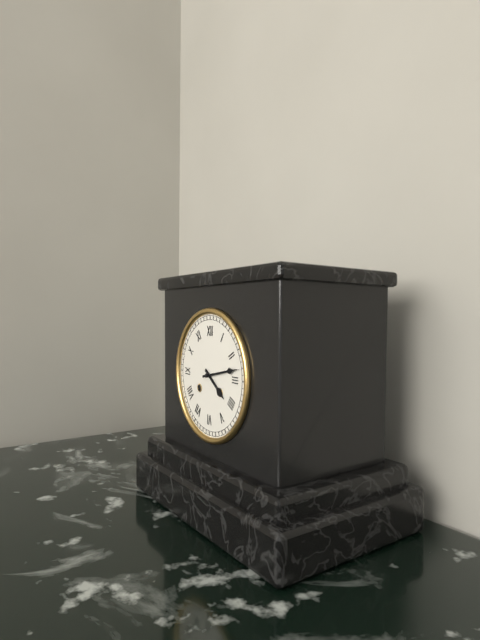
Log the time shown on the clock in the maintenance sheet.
4:13
